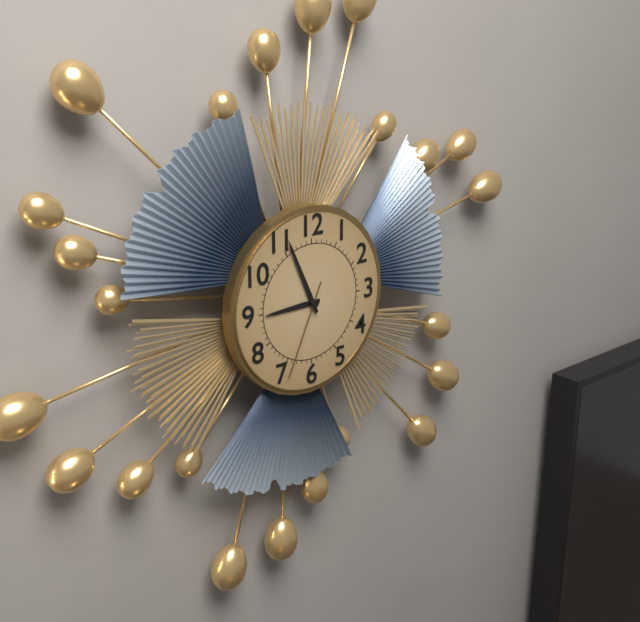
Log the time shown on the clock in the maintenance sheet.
8:56:34
